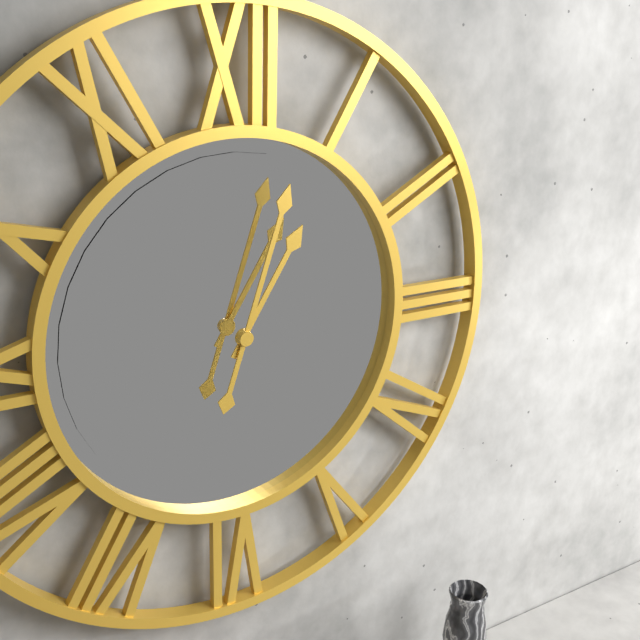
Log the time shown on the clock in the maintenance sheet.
1:03
